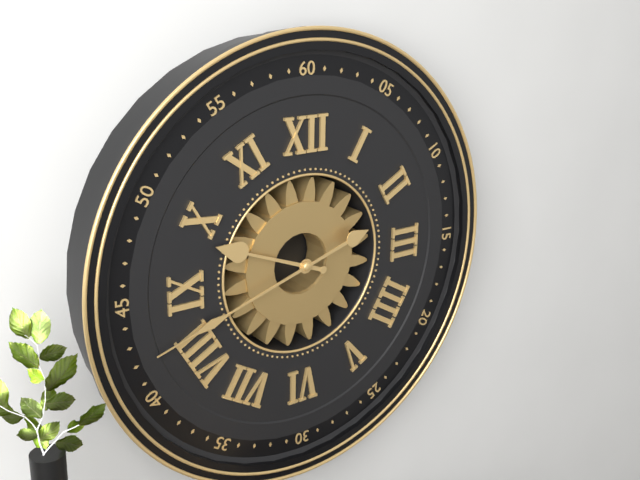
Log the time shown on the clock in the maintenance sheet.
9:42
